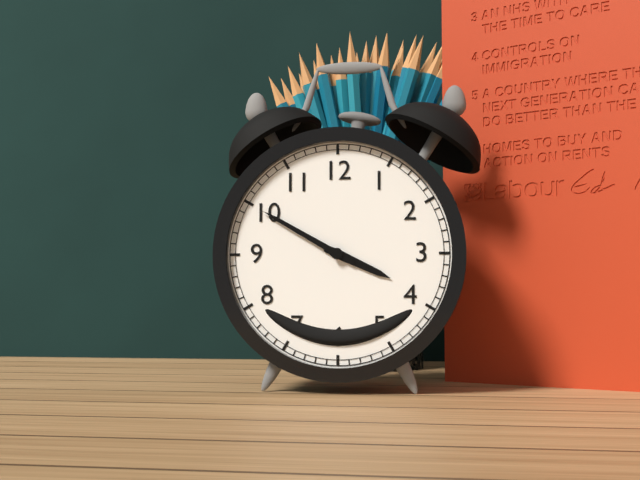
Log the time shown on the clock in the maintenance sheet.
3:50
